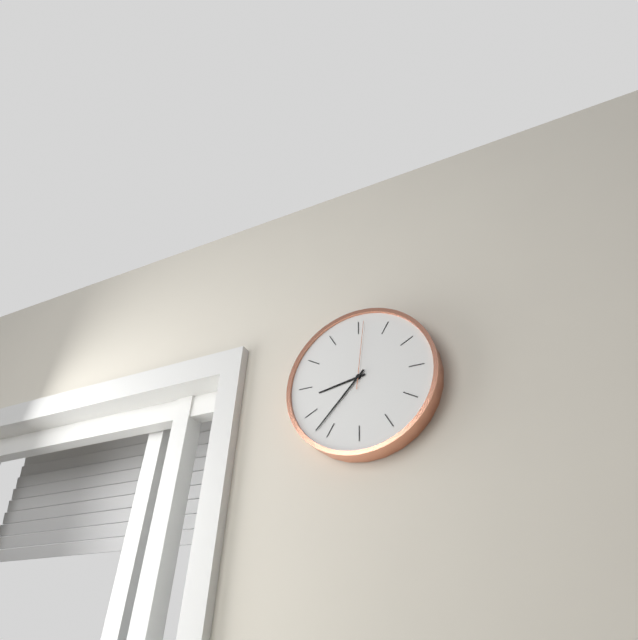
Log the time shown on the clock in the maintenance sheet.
8:37:01
